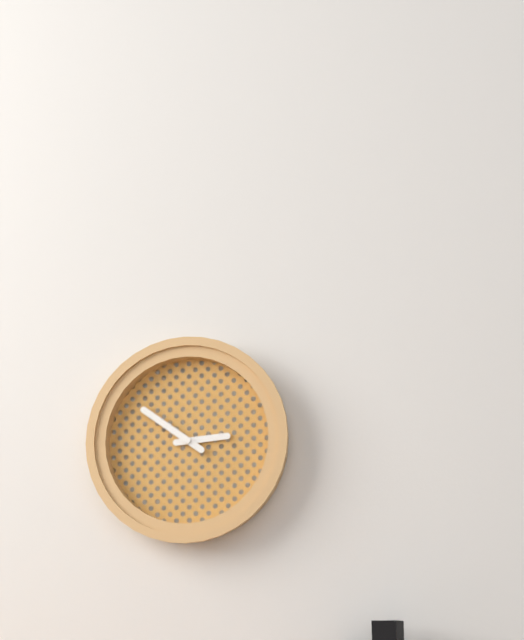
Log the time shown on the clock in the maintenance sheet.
2:51
